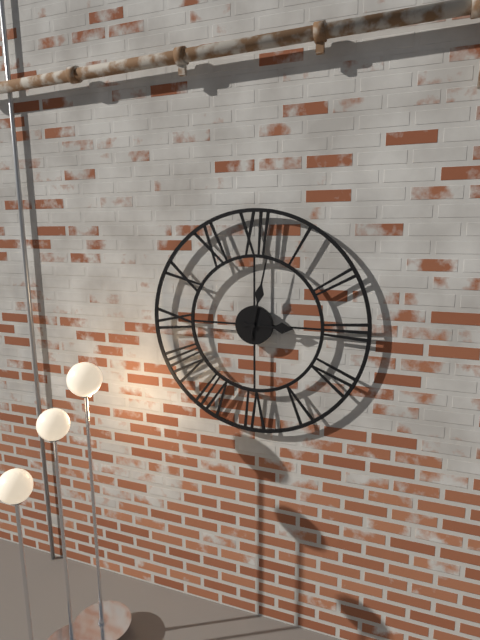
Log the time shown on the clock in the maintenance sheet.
3:02
